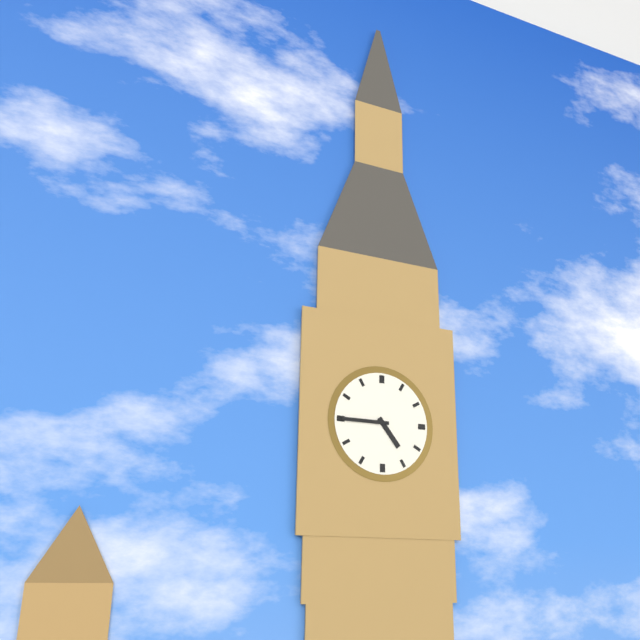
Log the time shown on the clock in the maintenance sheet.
4:45
